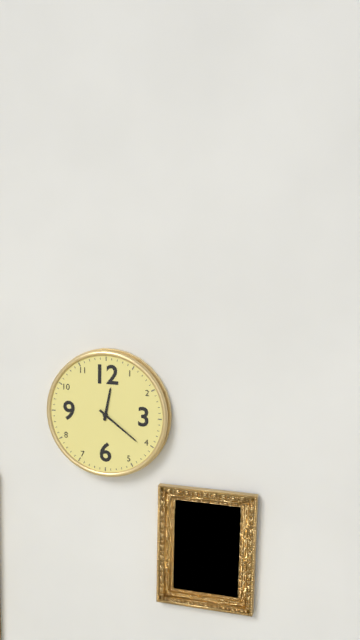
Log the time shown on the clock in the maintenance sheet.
12:21
